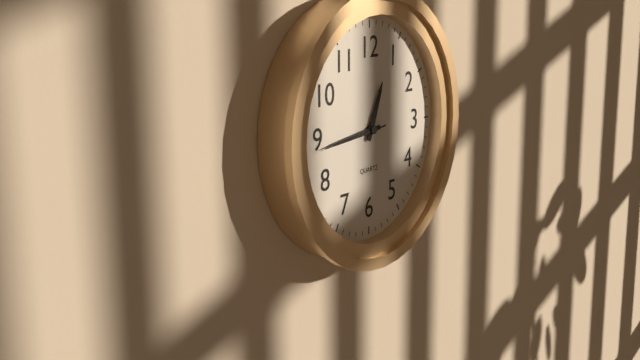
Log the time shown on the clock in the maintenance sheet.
12:44:44
